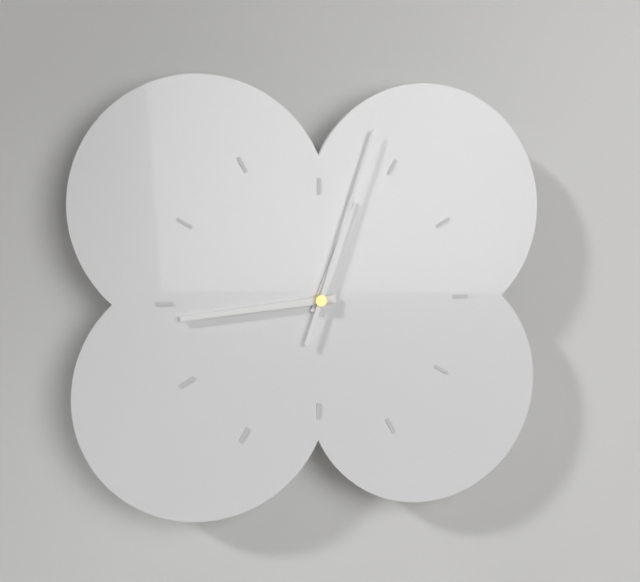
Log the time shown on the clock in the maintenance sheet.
12:44:03
